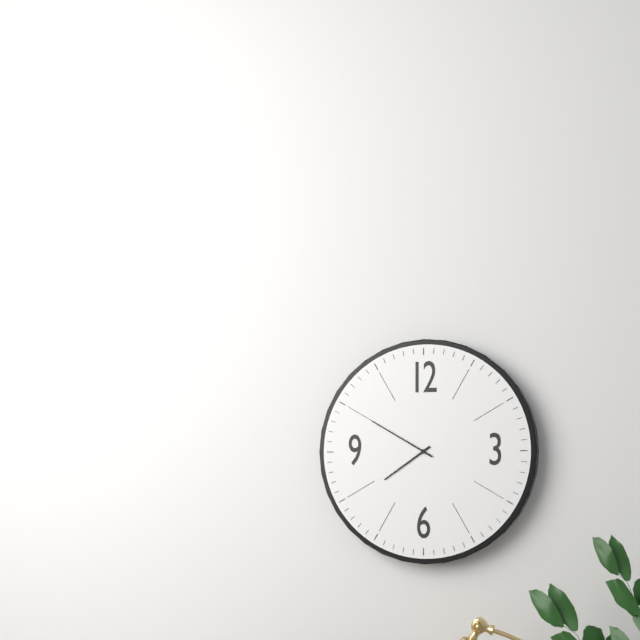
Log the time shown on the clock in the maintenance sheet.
7:50
